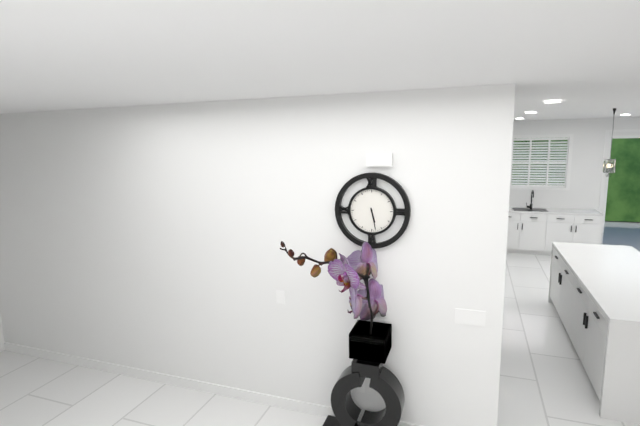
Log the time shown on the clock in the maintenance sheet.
5:28
